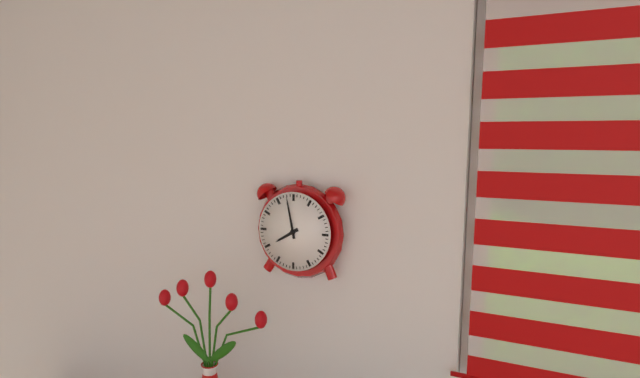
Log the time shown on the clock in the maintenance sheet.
7:58
